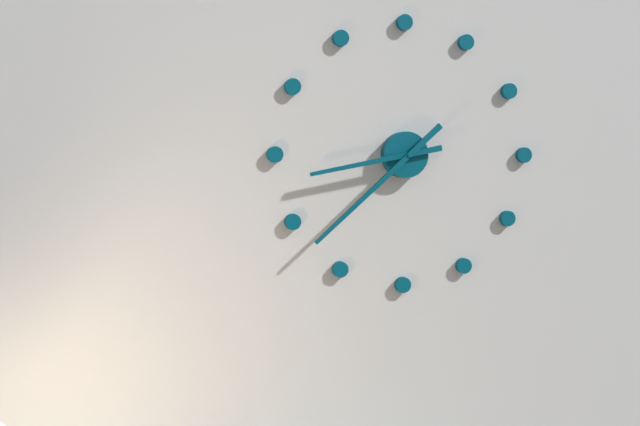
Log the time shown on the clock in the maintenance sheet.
8:38
